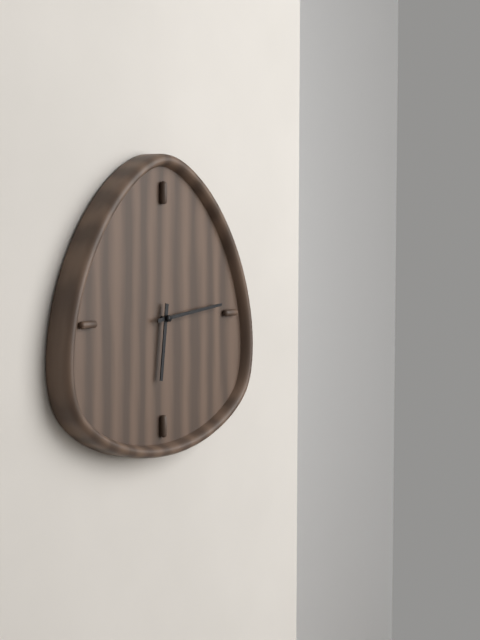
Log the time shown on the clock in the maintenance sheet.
6:14
